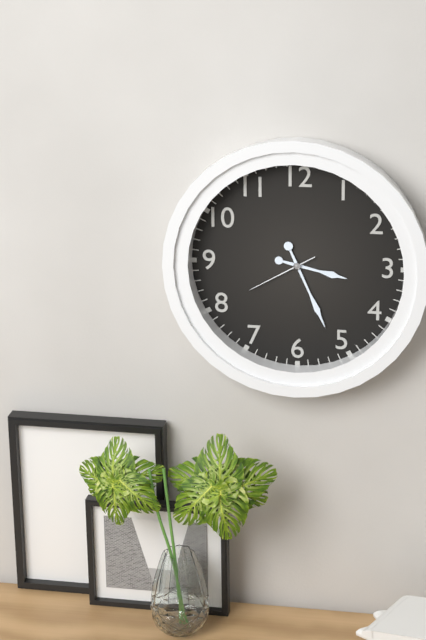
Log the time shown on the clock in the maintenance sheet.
3:26:40
